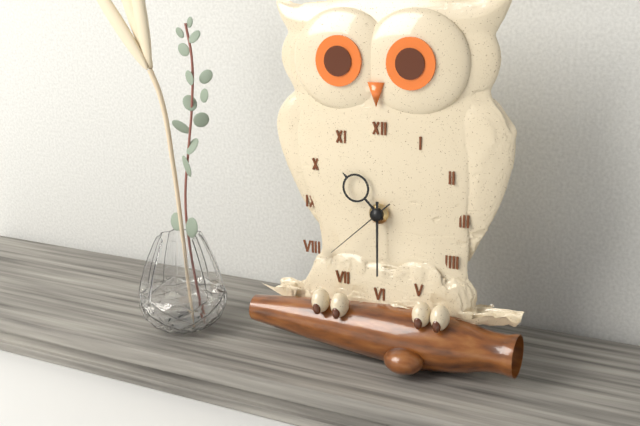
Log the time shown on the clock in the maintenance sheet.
10:30:38
